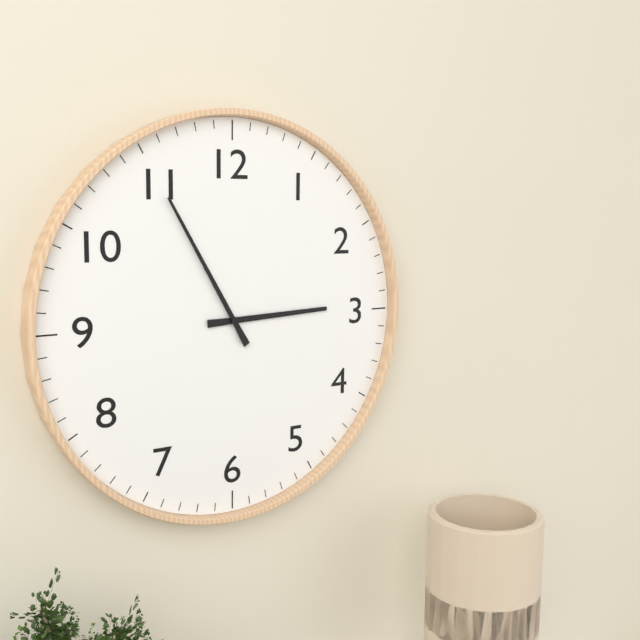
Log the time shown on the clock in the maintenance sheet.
2:55
